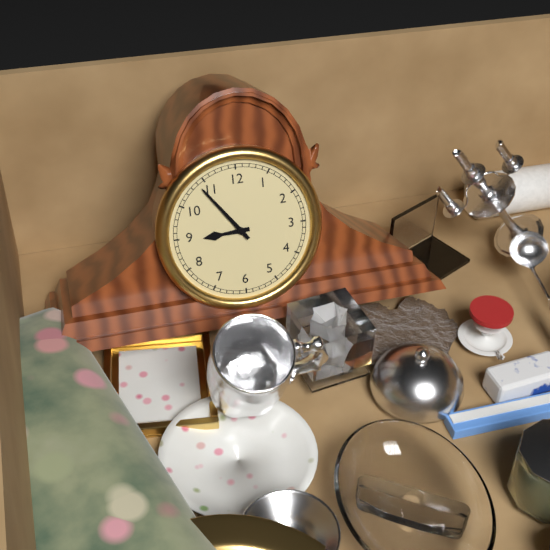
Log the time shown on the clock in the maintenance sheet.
8:54
